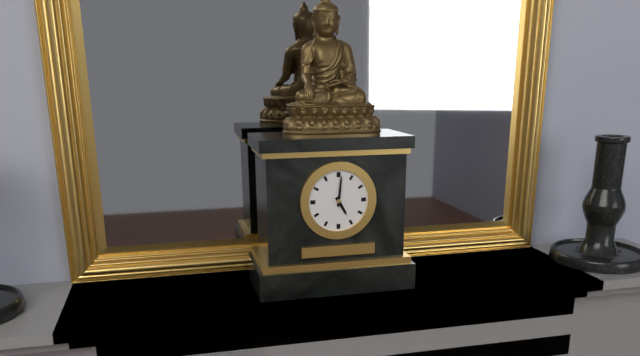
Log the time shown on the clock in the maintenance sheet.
5:01
